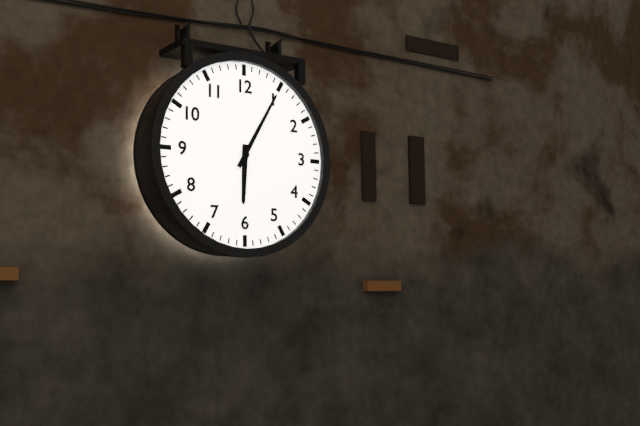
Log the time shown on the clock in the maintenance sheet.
6:05
